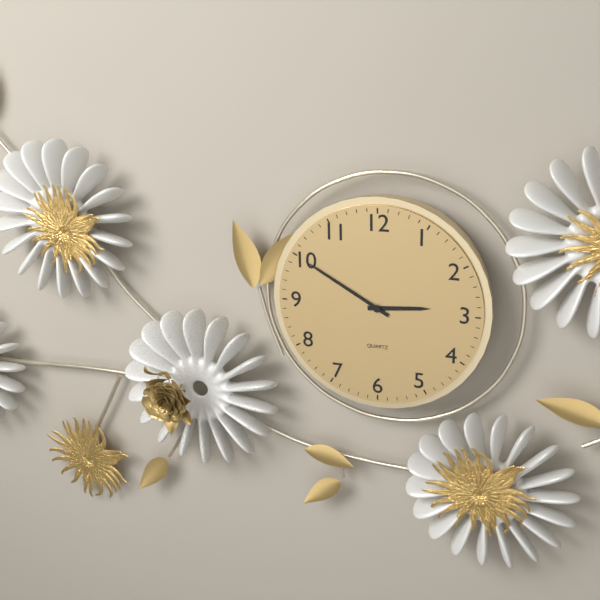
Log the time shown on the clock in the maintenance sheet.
2:50
